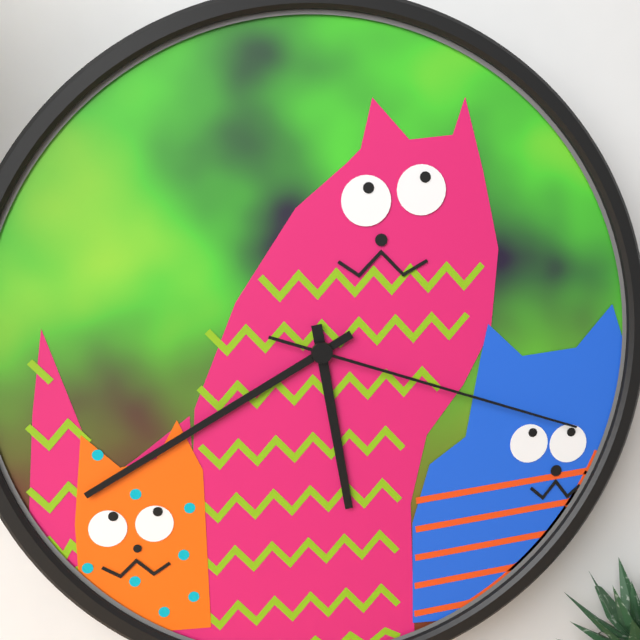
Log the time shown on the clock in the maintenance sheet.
5:40:18
